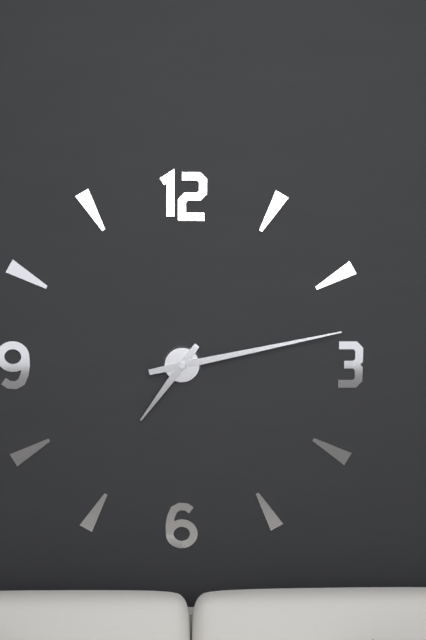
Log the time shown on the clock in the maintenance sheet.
7:13
